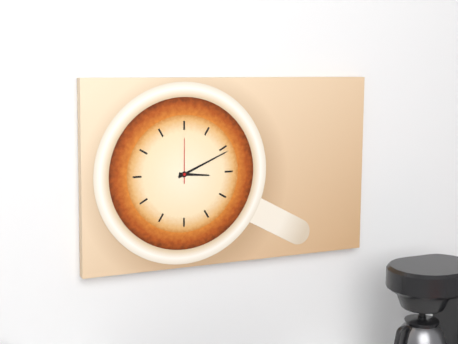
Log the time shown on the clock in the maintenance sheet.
3:11
